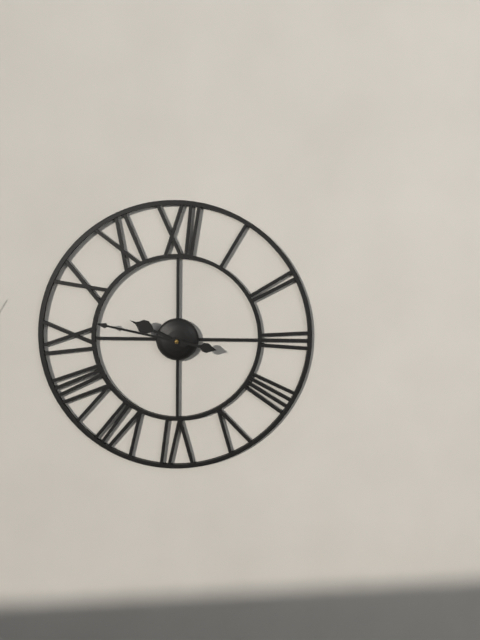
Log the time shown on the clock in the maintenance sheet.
9:47
